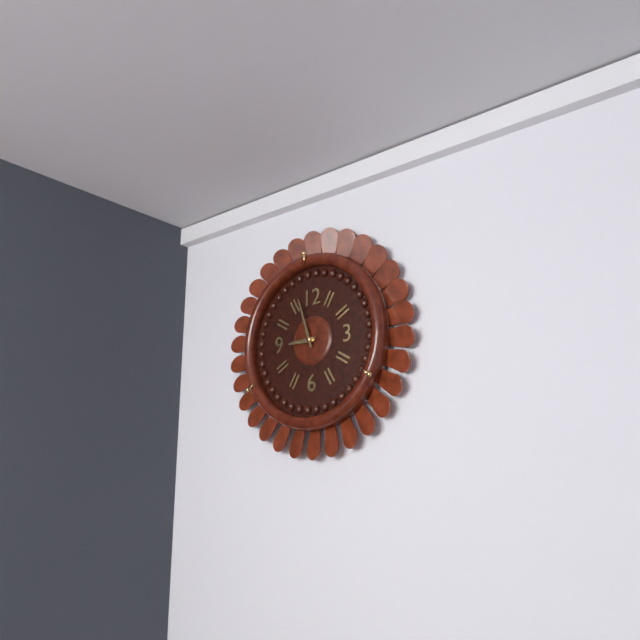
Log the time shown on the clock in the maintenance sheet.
8:57
